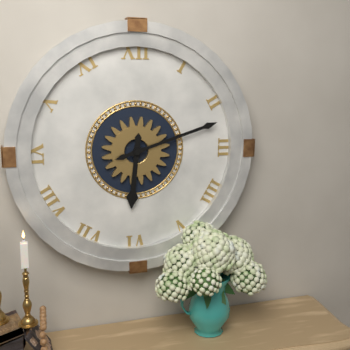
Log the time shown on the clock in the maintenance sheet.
6:12
